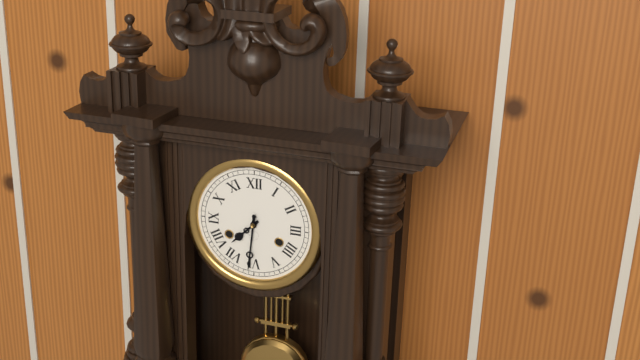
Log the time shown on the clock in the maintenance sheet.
7:31
